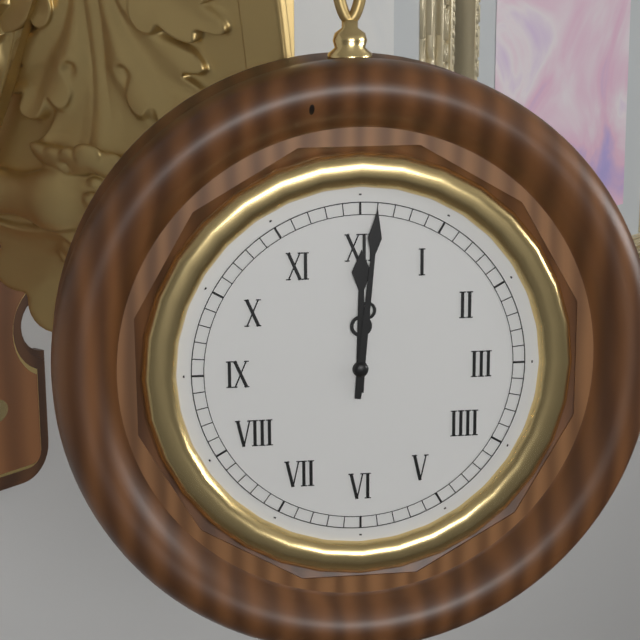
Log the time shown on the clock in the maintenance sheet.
12:01
